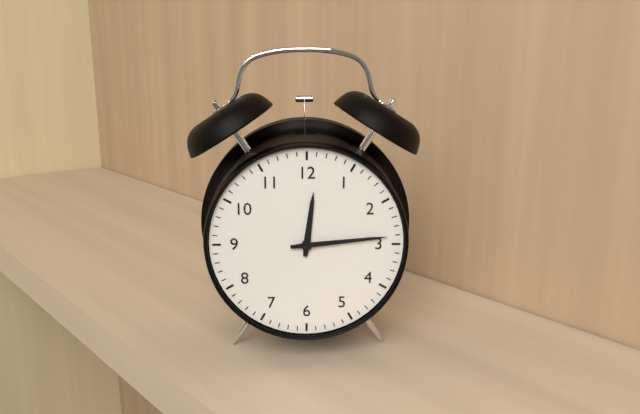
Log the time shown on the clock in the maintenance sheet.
12:14
